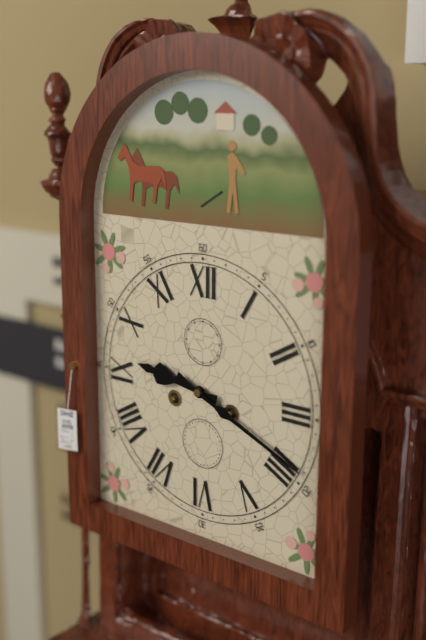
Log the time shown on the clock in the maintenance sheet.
9:19
